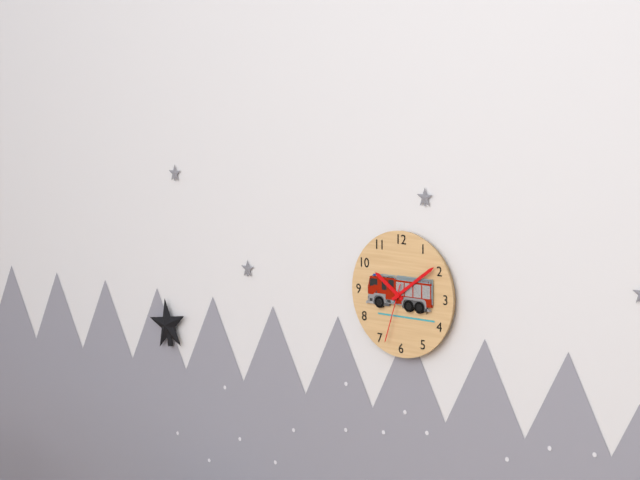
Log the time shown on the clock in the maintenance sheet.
10:09:33
